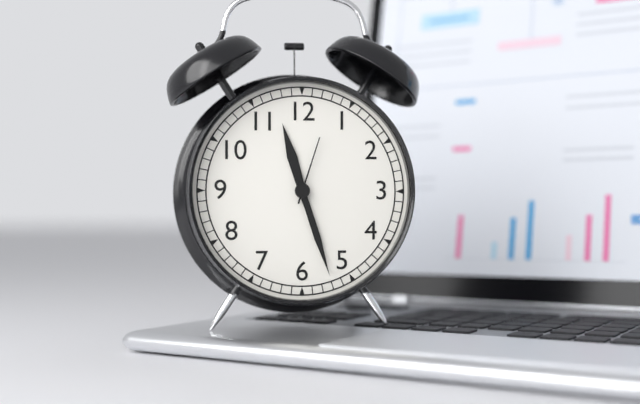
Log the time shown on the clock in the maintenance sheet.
11:27:03
